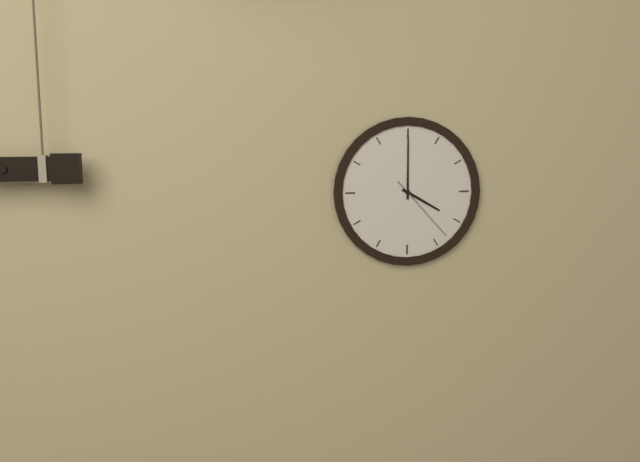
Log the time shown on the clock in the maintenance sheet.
4:00:23
